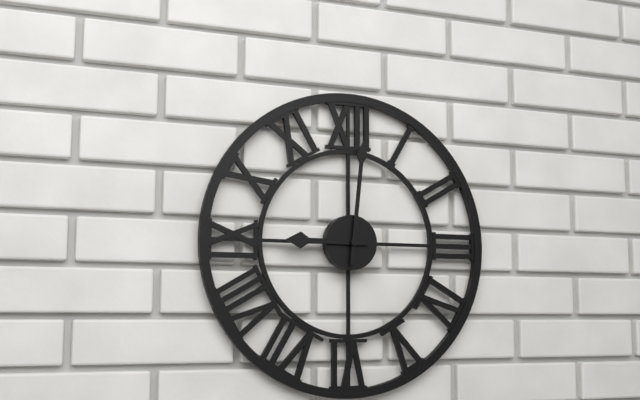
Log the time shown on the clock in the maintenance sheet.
9:01
